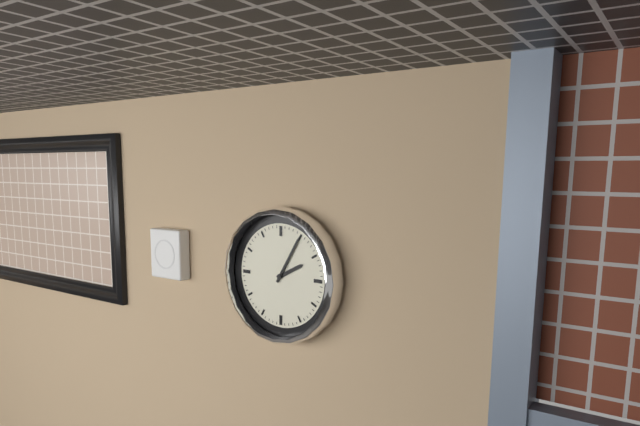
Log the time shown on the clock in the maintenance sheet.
2:05
